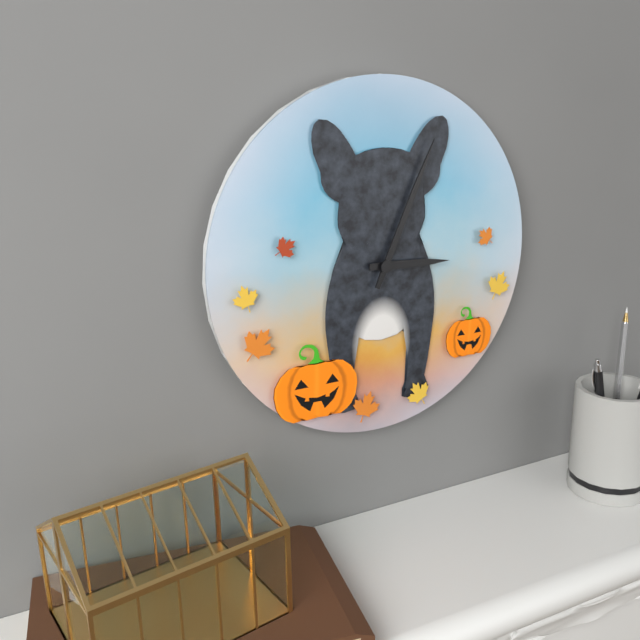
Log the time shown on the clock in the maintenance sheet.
3:04
